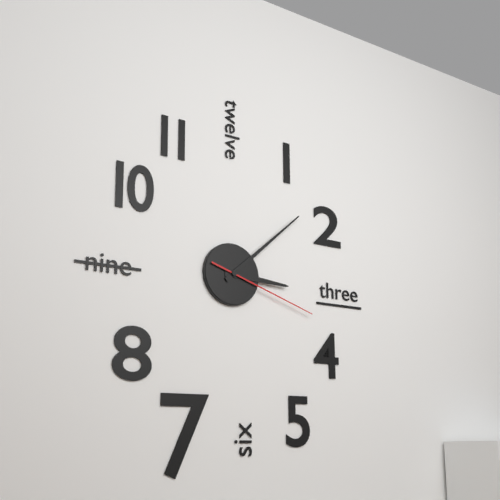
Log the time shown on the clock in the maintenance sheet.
3:08:18
